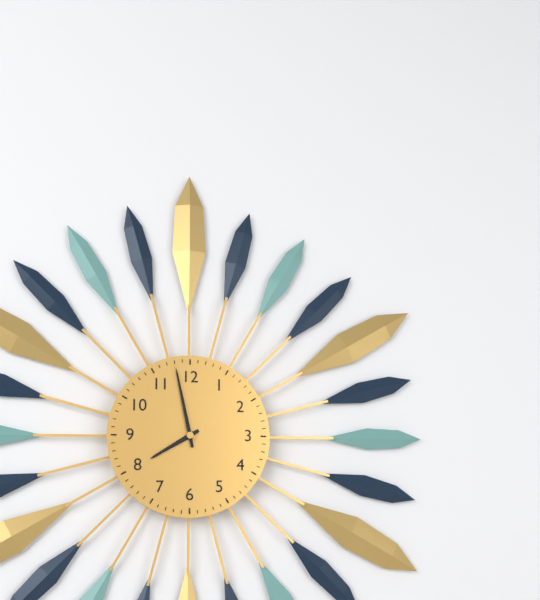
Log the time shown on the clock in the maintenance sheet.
7:58
